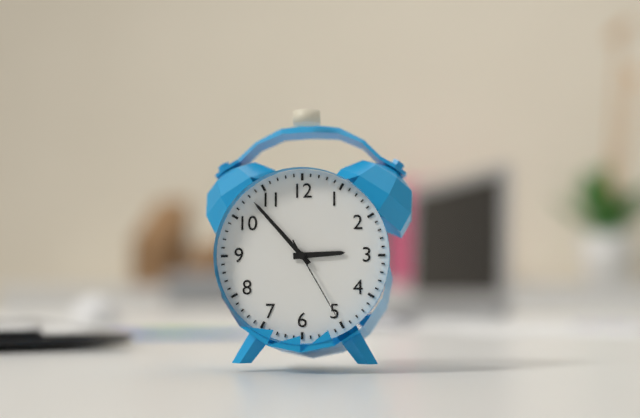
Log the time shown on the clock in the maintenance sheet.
2:53:25
